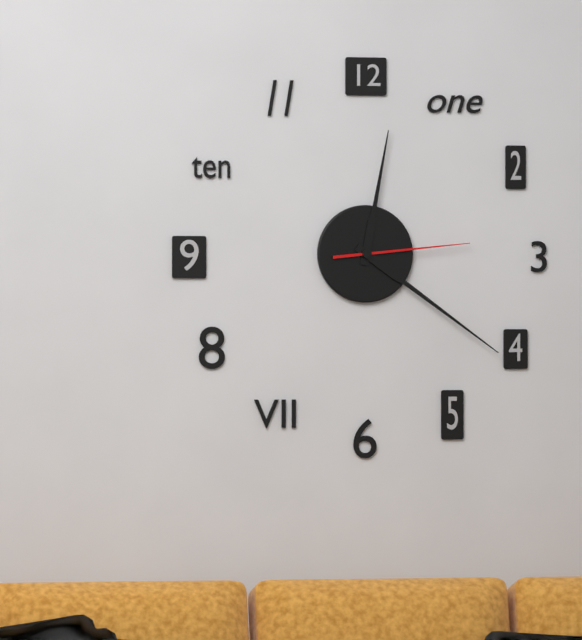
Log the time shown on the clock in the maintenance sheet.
12:21:14
